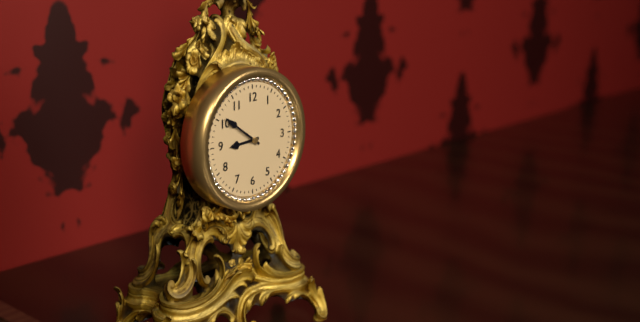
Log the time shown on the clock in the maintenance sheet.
8:51
